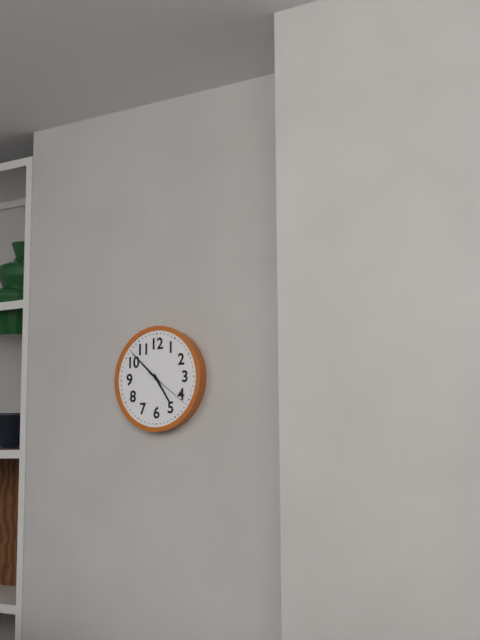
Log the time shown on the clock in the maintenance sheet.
4:52
